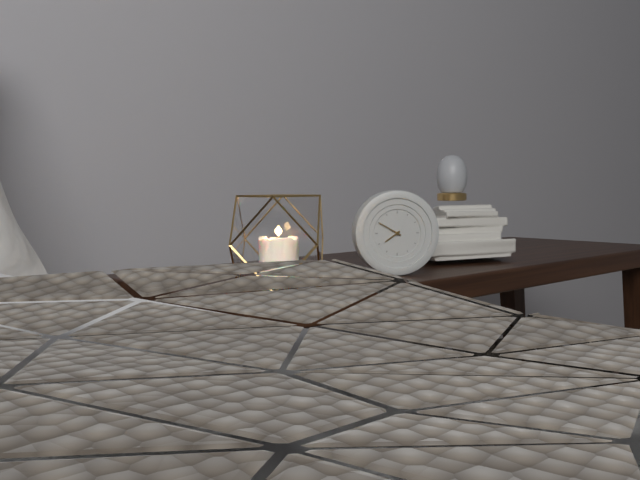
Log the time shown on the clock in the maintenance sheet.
7:50
